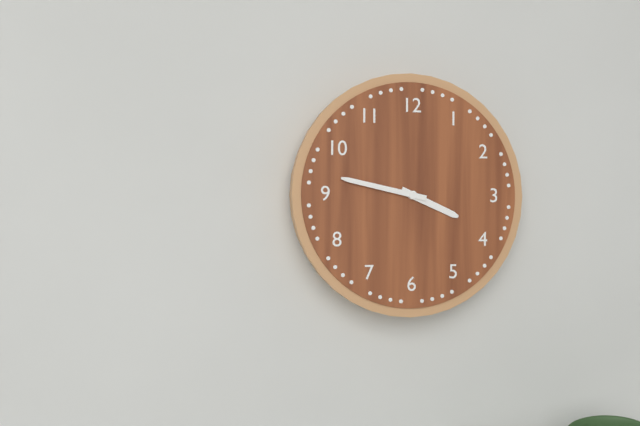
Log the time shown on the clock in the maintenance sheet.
3:47
